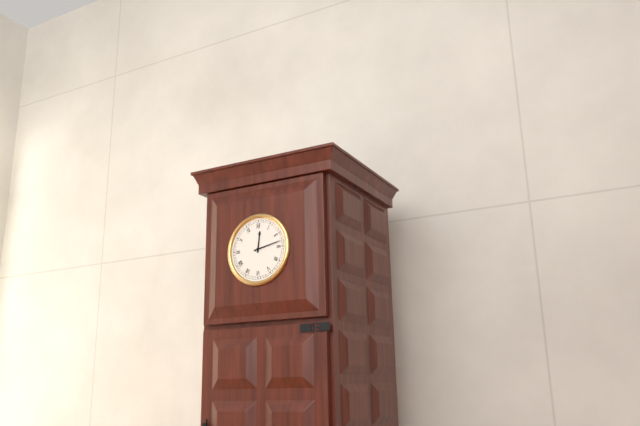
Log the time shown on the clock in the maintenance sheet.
12:13
